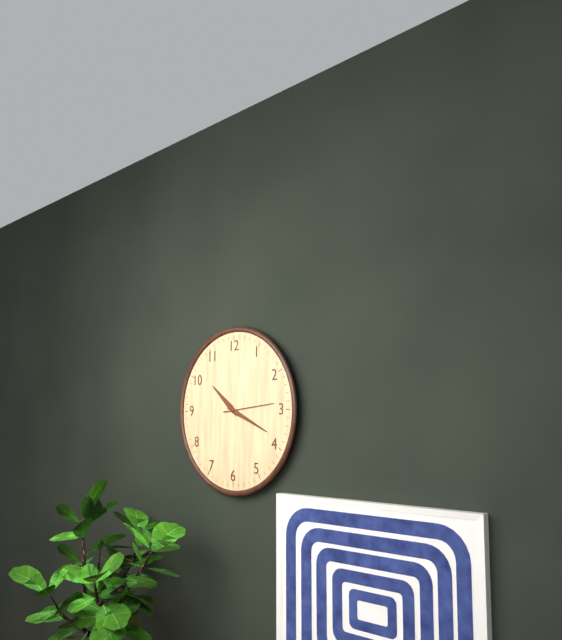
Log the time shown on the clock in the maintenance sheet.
10:19:14
